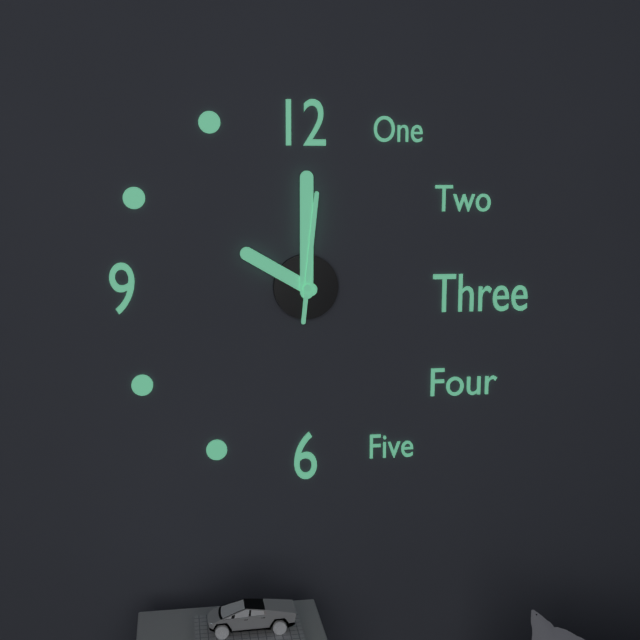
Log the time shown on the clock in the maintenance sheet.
10:00:01
